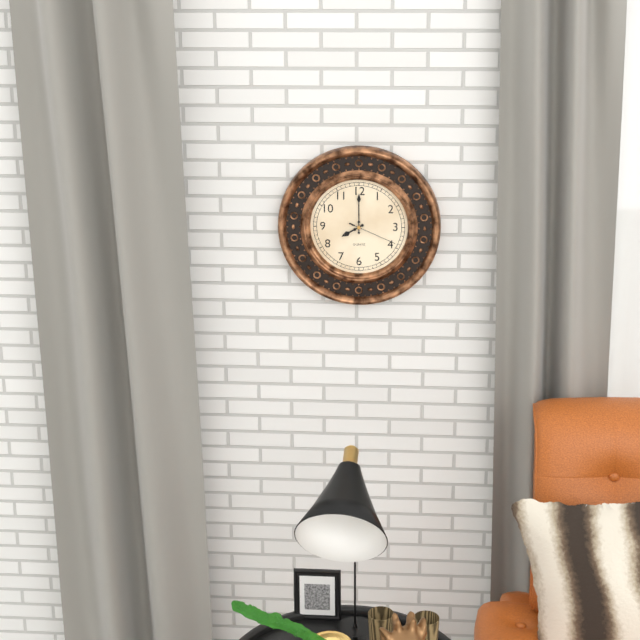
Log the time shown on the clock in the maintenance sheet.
8:00
